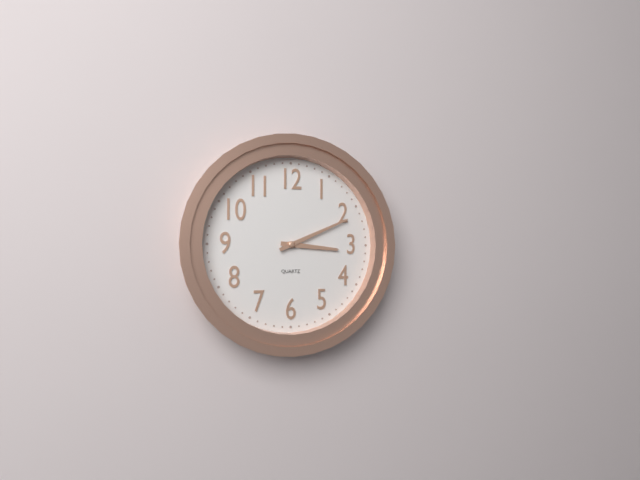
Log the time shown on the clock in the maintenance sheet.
3:11
